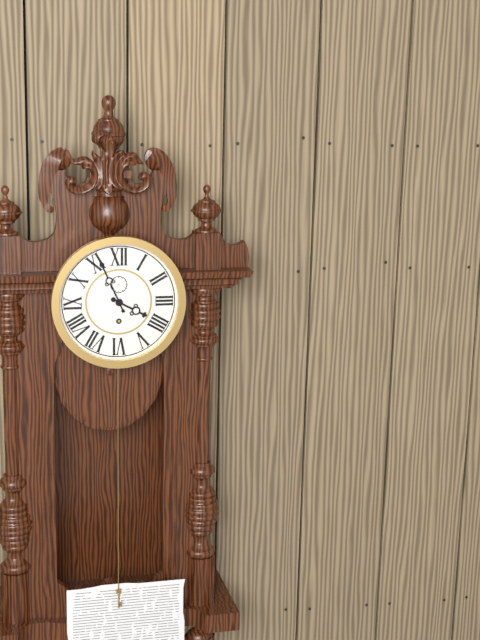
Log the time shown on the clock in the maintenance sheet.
3:56
